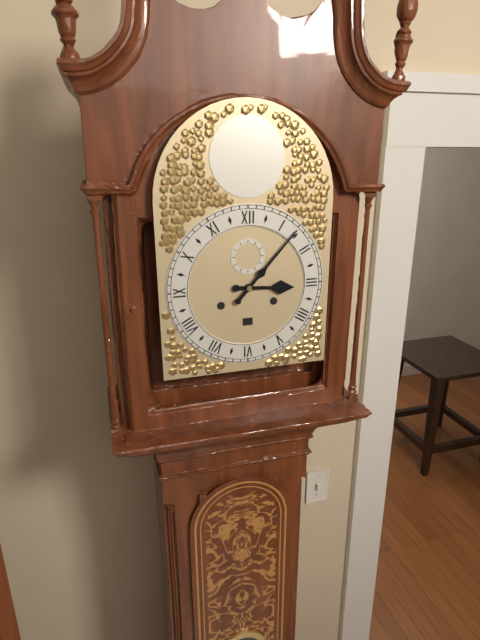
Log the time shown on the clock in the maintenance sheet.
3:07
